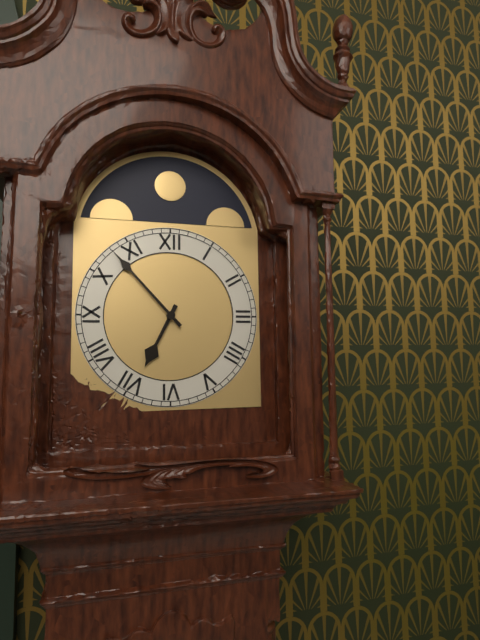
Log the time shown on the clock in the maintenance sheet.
6:53
